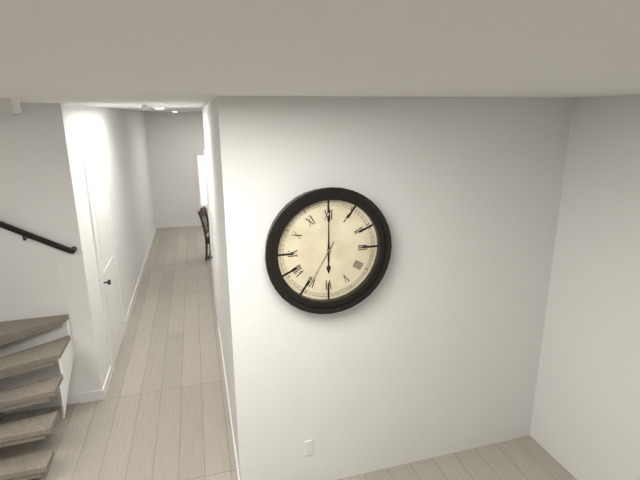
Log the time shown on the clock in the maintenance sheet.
6:00:35
